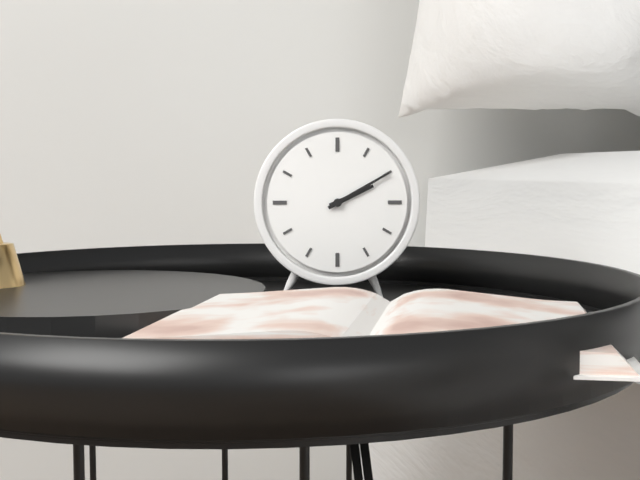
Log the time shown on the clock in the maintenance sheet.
2:10
